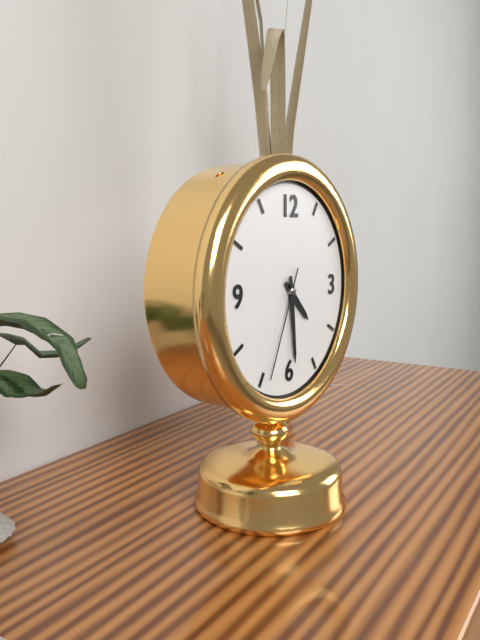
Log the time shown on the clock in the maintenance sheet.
4:29:34
